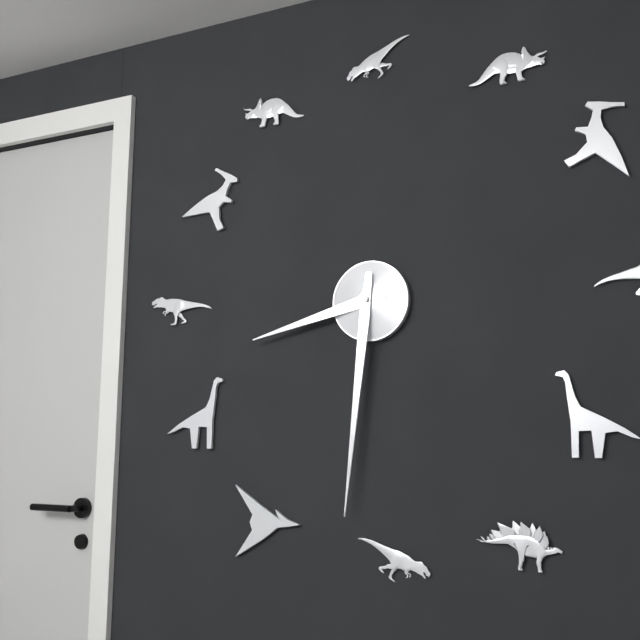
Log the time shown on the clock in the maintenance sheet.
8:31
